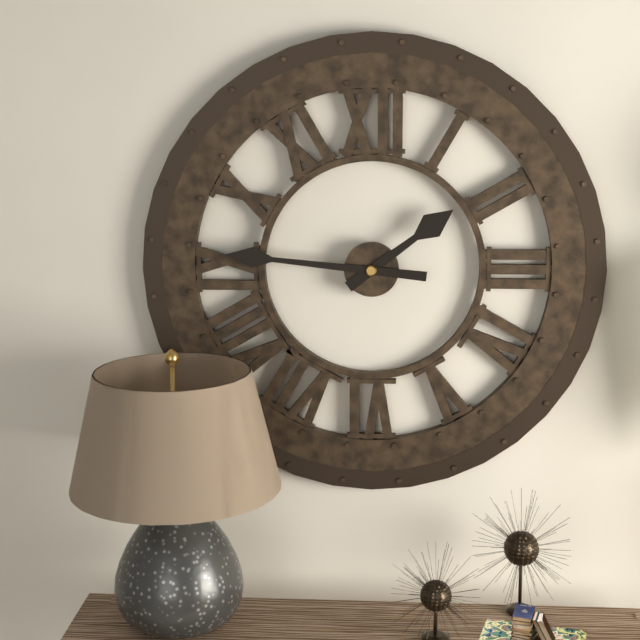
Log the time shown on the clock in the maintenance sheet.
1:46
